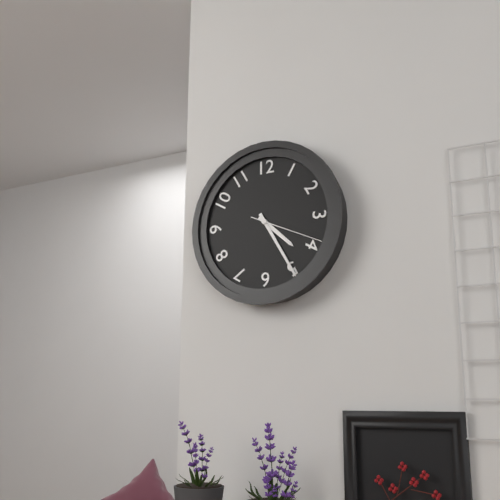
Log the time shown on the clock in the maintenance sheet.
4:25:19
